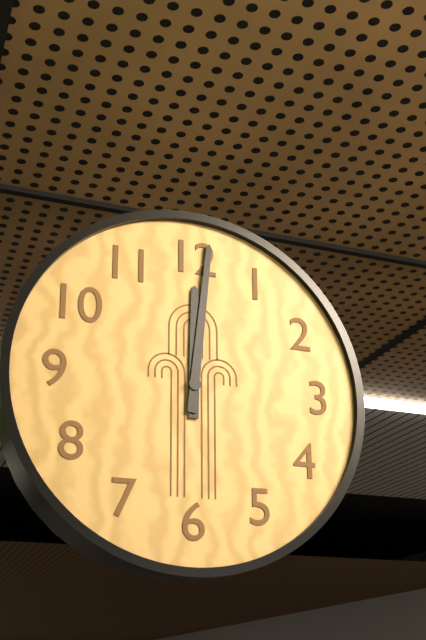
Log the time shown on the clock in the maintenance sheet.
12:01
